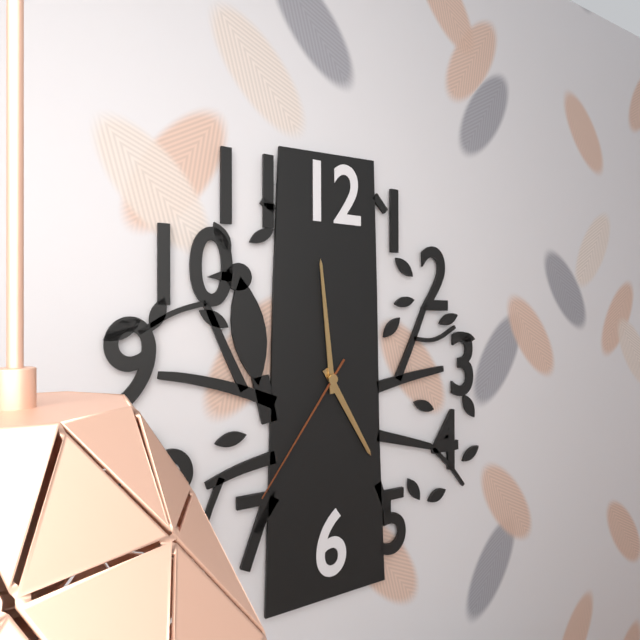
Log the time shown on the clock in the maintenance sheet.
4:59:36
